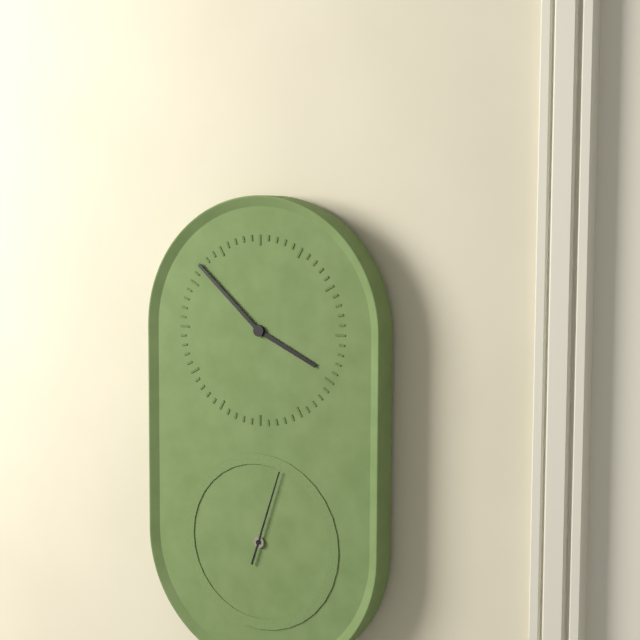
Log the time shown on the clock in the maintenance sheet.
3:52:03
